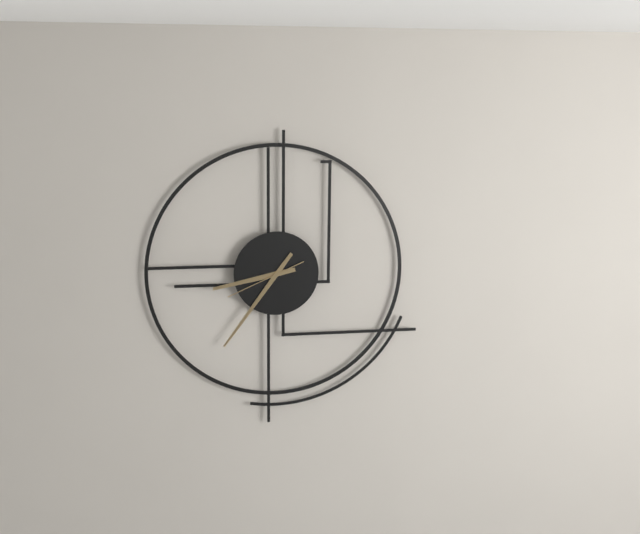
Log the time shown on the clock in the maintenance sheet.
8:36:41
